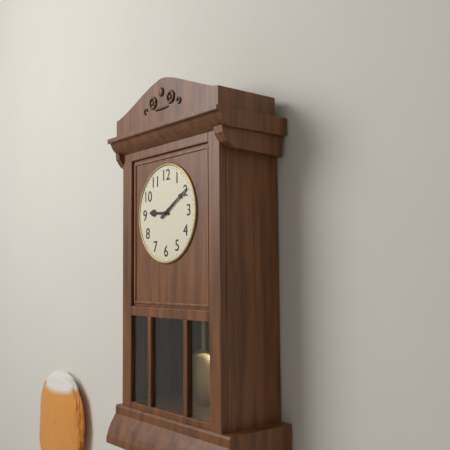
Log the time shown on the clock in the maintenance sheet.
9:10
